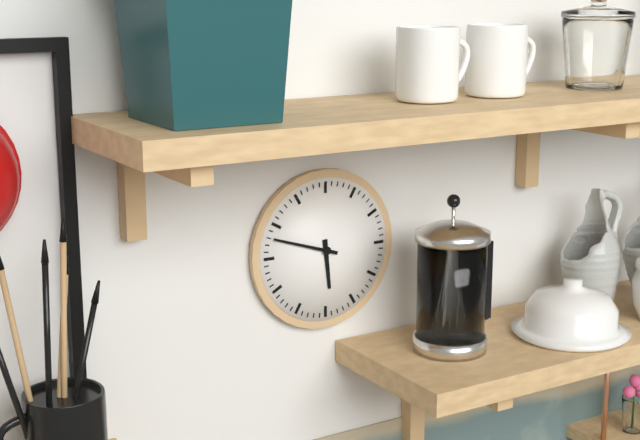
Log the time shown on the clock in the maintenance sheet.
5:48
